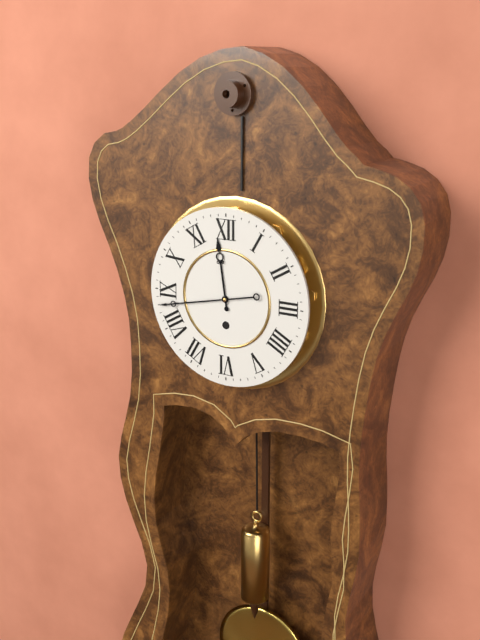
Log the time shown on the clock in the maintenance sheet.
11:43
